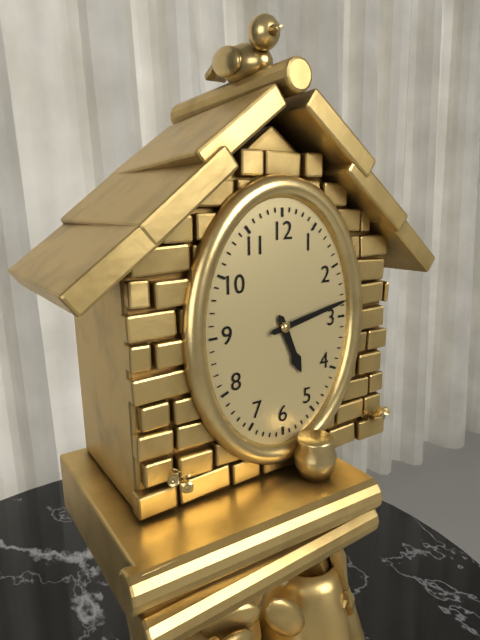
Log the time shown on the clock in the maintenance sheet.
5:13
